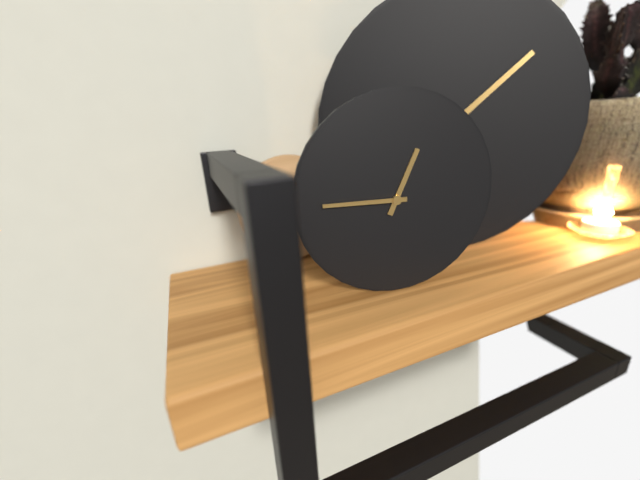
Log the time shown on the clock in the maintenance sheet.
12:45
